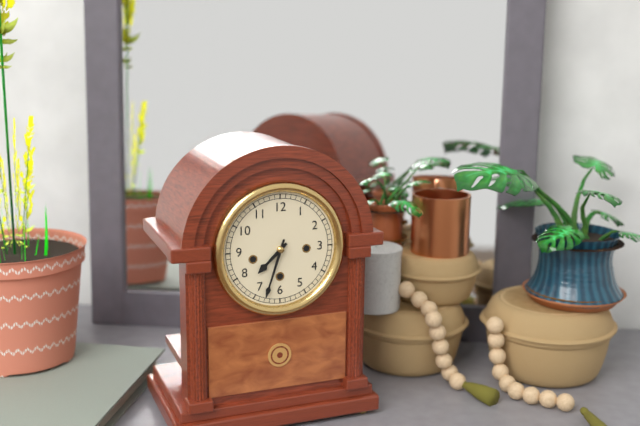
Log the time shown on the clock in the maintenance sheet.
7:33
